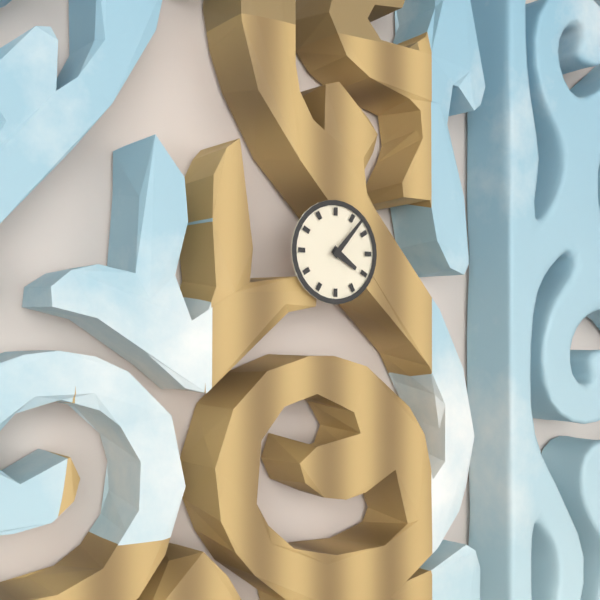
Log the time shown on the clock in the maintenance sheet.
4:07
